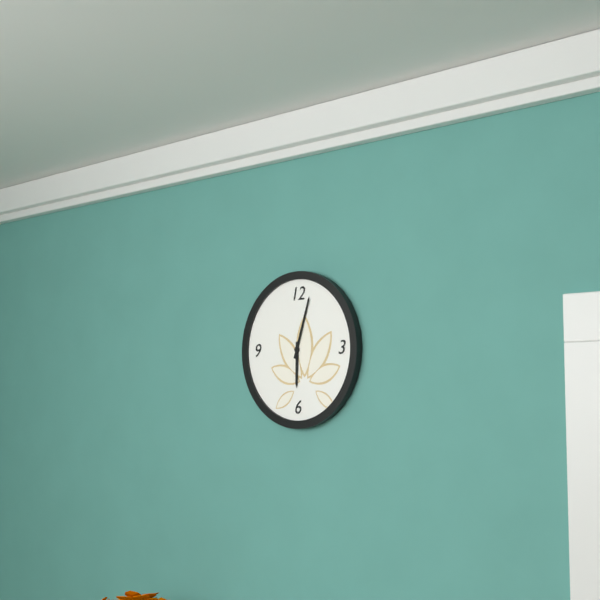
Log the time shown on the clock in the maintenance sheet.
6:03
